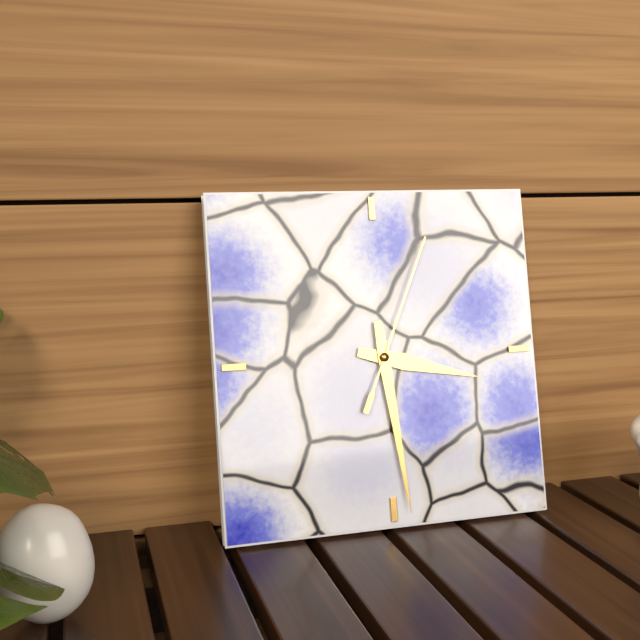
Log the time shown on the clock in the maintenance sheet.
3:29:04
